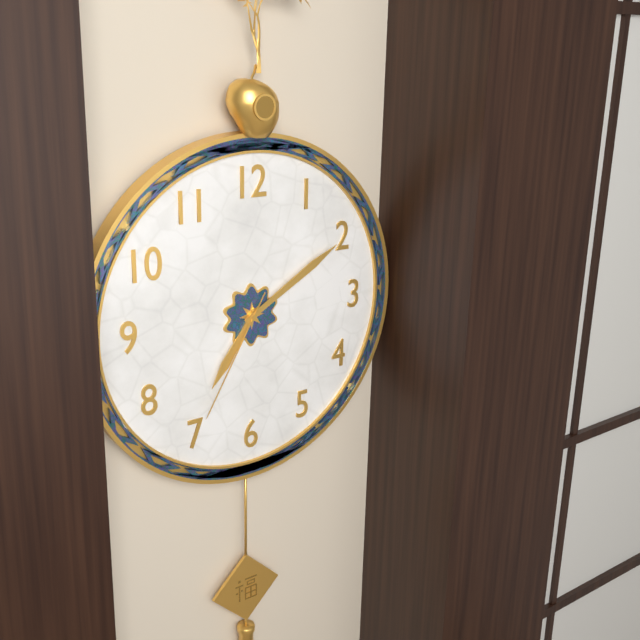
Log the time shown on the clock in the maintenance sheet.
7:10:35
